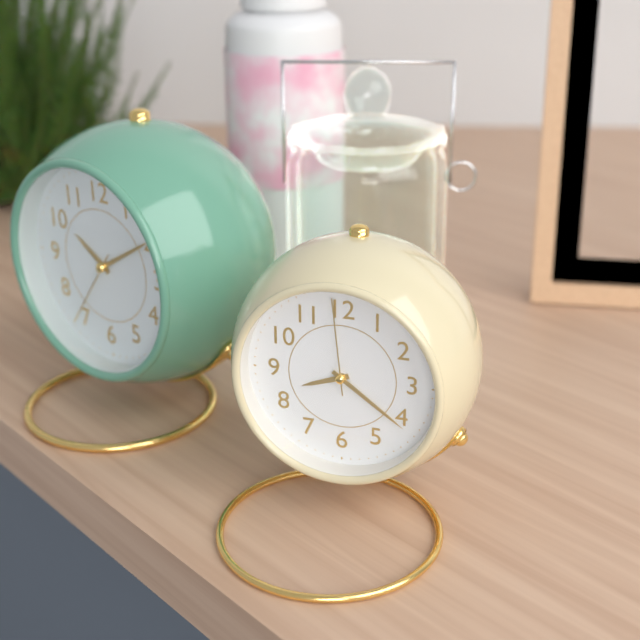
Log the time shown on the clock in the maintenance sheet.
8:21:59
